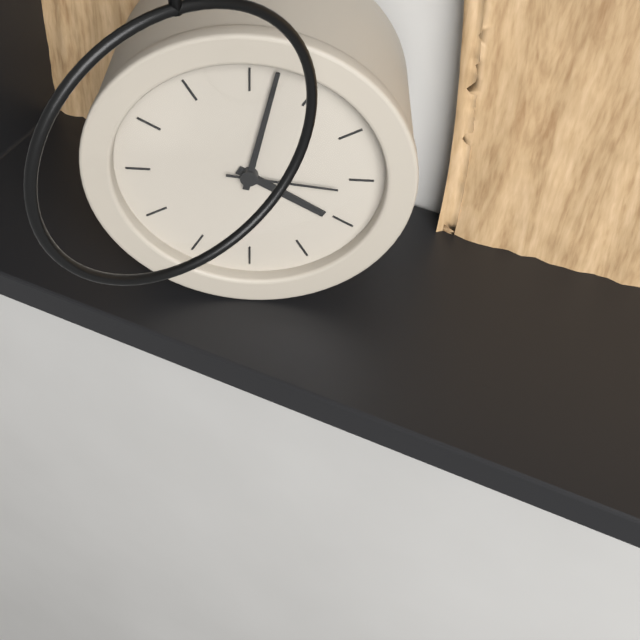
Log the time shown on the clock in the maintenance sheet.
4:02:16
